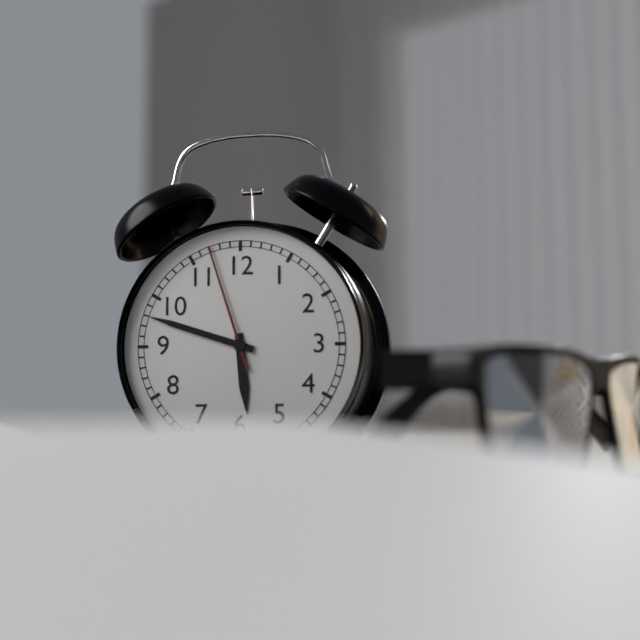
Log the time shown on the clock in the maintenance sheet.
5:48:57
